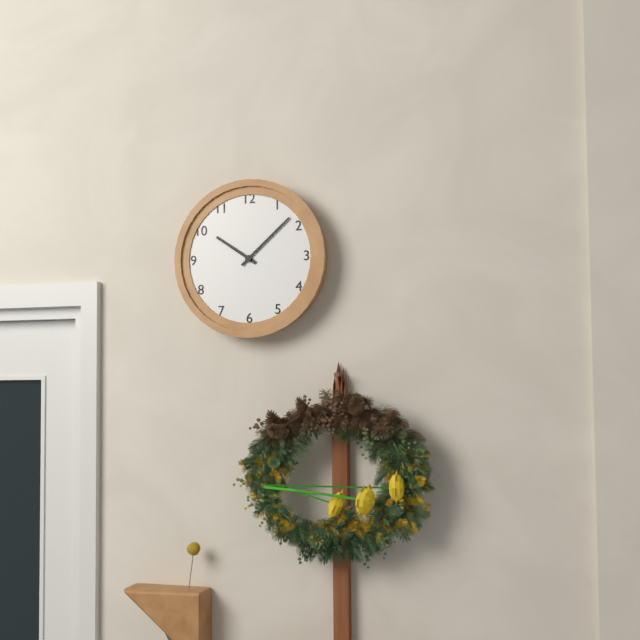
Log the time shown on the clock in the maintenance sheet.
10:08
